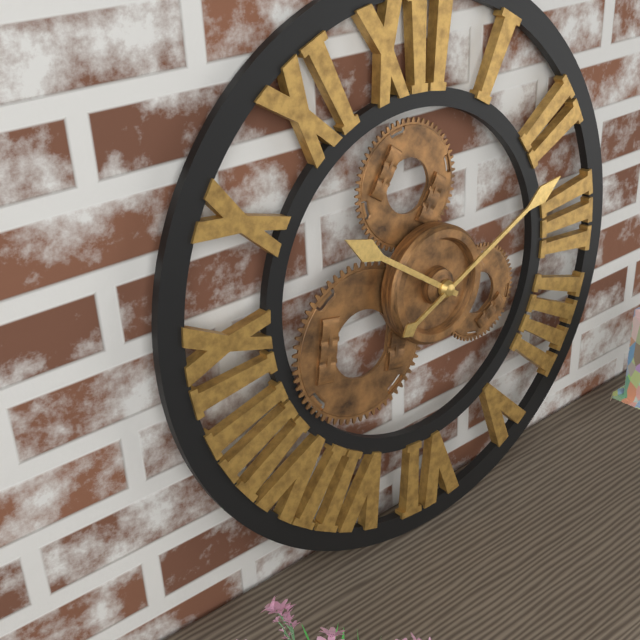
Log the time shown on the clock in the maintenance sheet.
10:11
